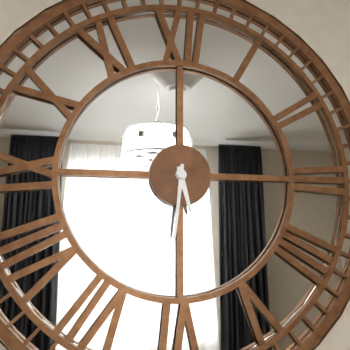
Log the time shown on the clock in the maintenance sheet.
5:31
